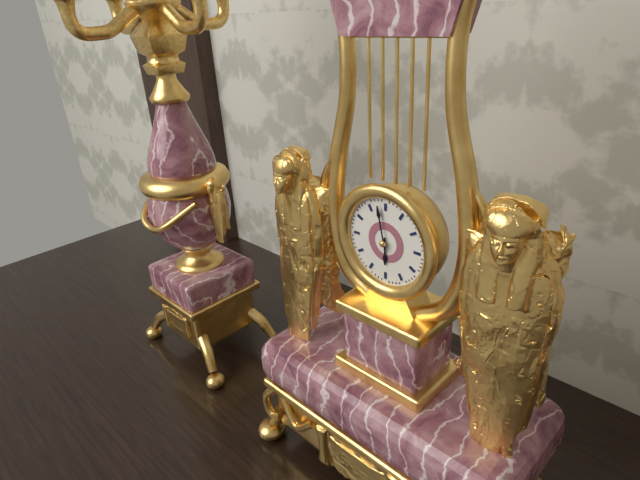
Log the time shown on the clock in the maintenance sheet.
5:58
